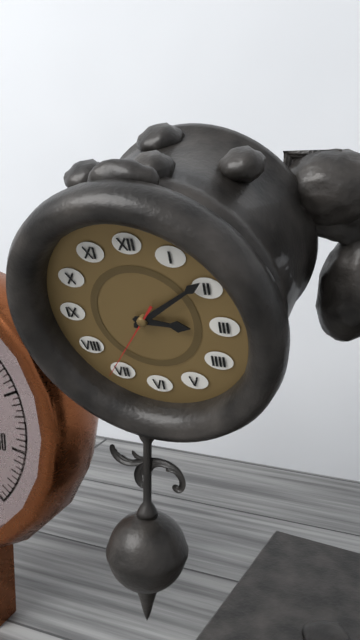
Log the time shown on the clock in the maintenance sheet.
3:09:36
